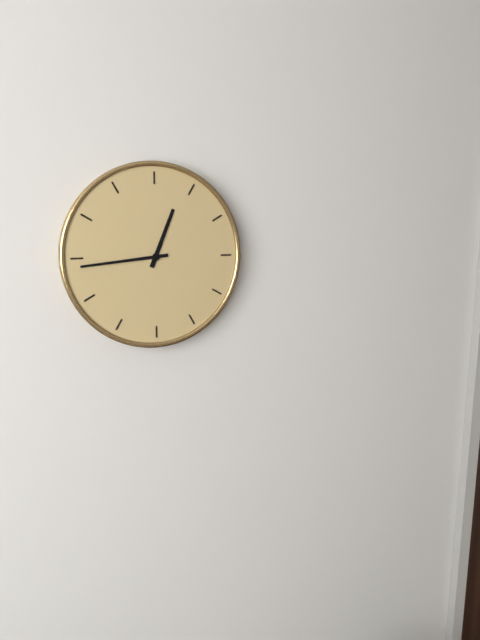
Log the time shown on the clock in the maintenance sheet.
12:44
